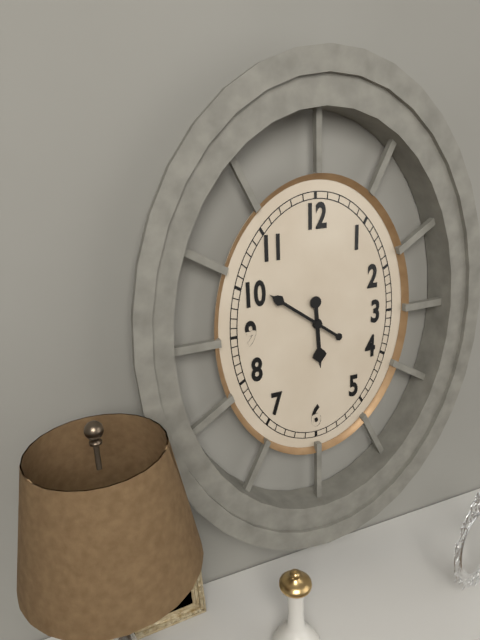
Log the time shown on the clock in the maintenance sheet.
5:51
